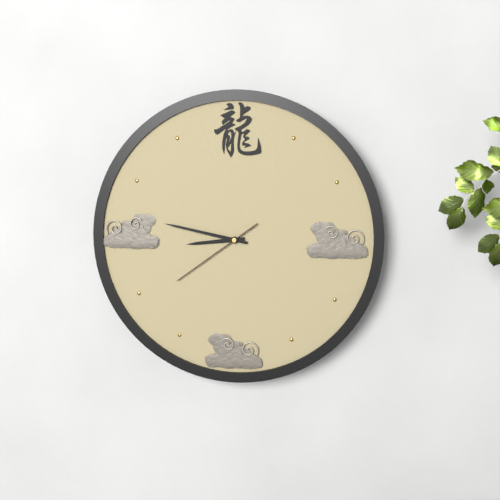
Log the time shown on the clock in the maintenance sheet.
8:47:39
